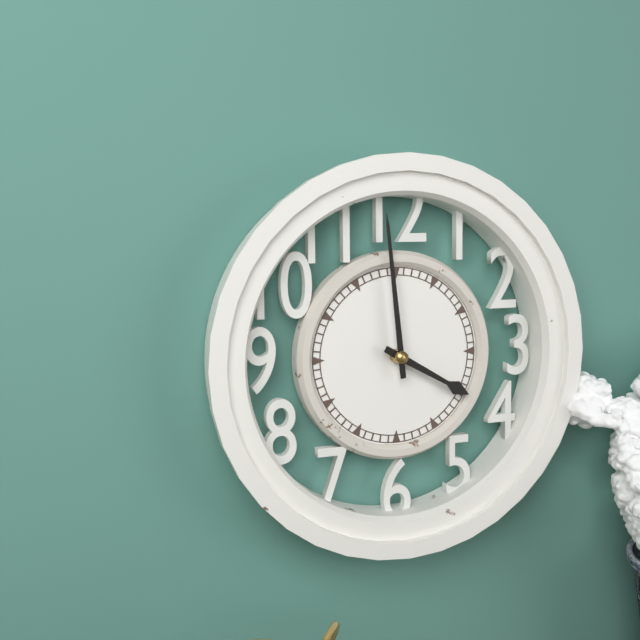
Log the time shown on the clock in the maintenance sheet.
3:59
